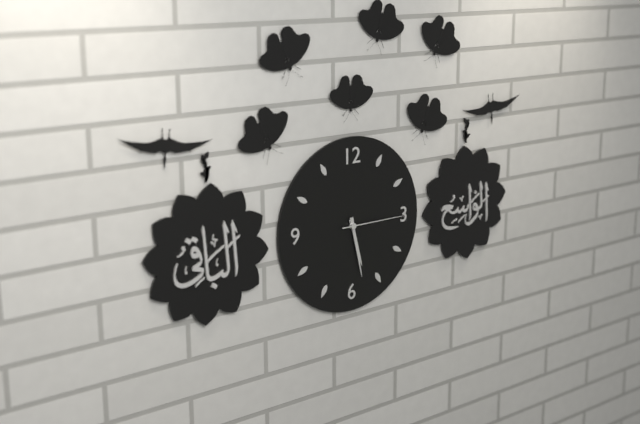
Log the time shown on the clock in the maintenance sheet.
5:28:15
